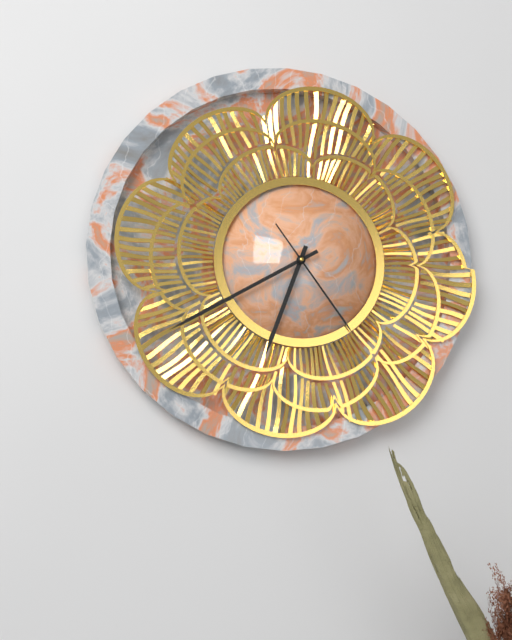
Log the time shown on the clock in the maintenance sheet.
6:40:24
